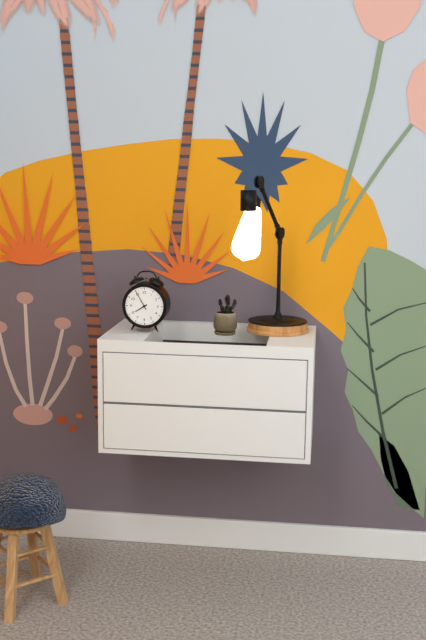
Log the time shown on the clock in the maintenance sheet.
7:55
